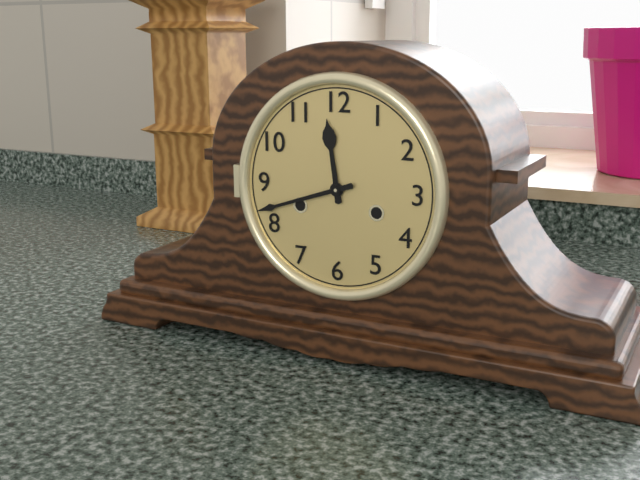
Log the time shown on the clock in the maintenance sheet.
11:42
